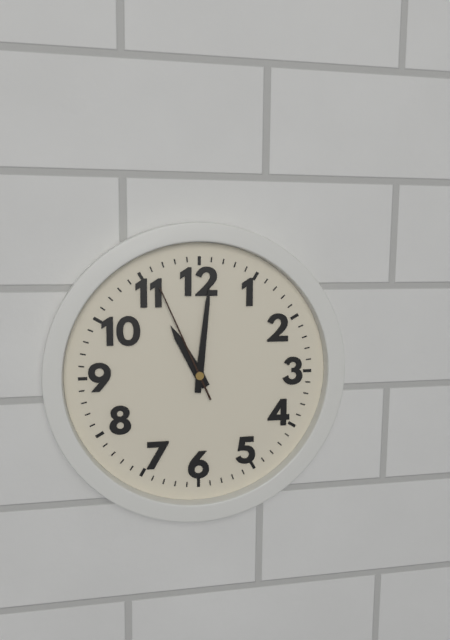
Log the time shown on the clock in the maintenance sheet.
11:01:56
